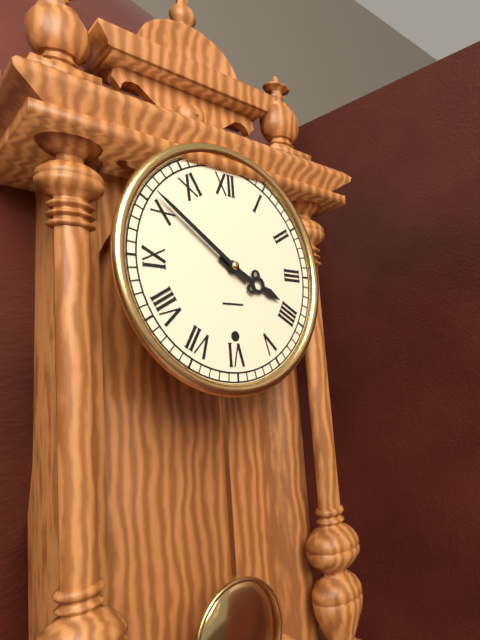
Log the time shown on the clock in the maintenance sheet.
3:51
